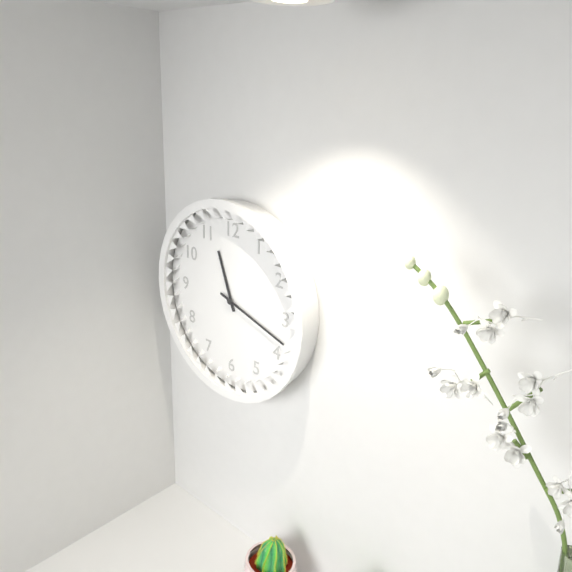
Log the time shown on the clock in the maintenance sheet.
11:18
